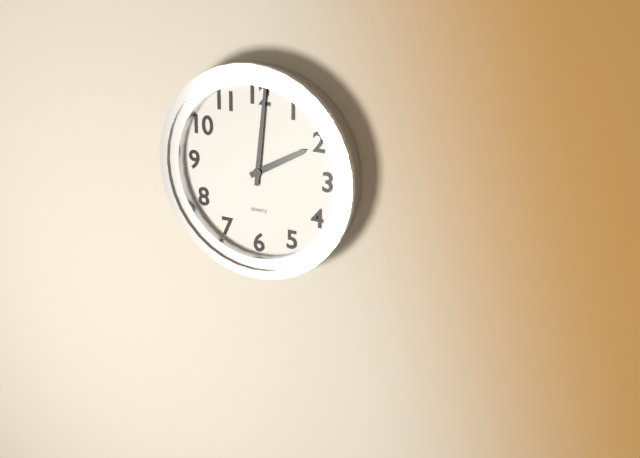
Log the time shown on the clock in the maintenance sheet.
2:01
